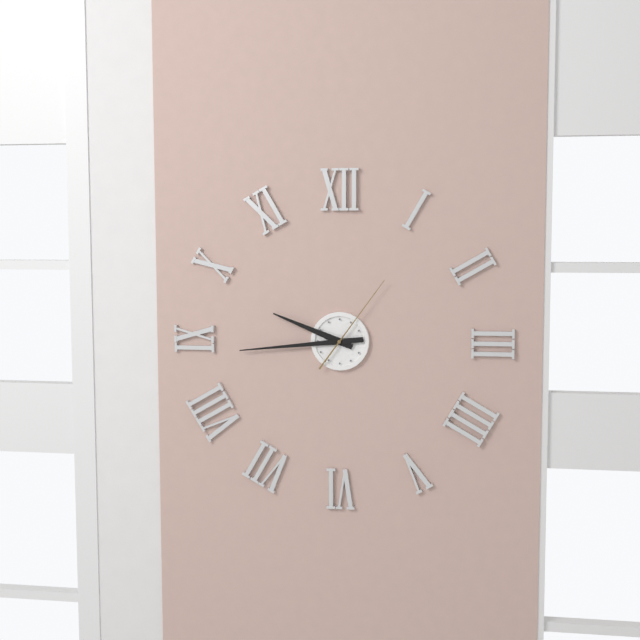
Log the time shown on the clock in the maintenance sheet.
9:44:06
